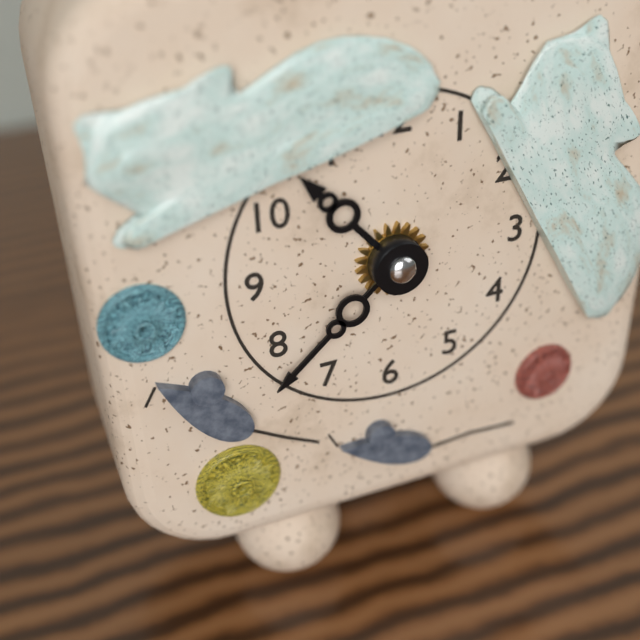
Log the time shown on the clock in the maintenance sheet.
10:38
